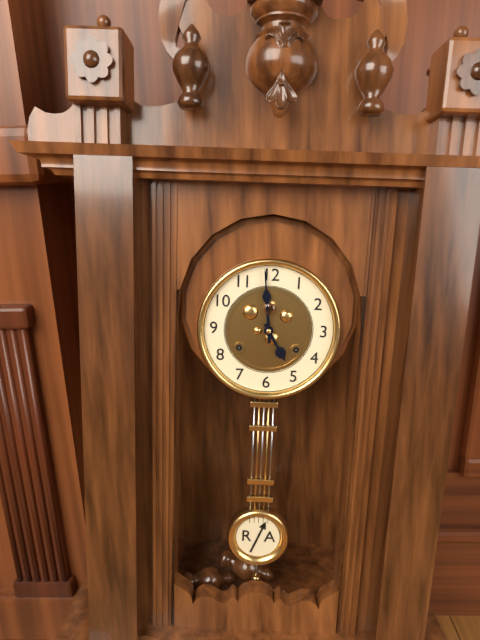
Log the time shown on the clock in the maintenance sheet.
4:59
